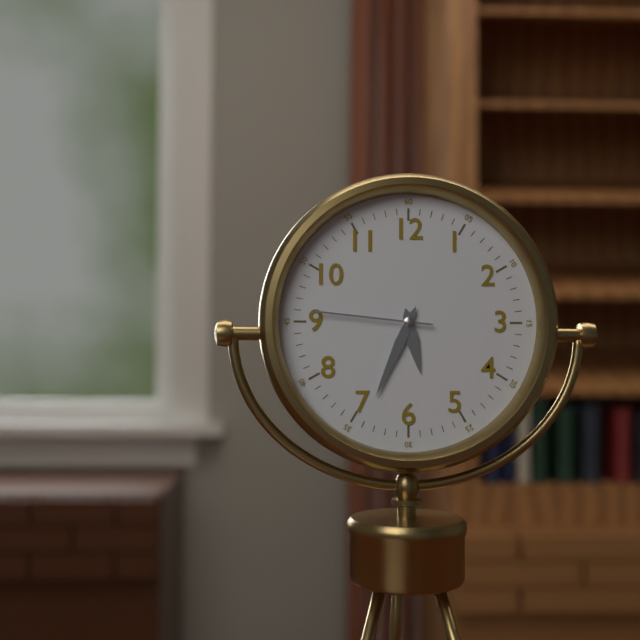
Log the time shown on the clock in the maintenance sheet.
5:34:46
